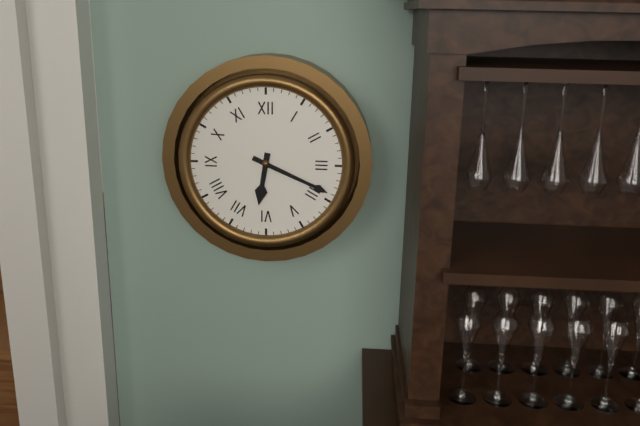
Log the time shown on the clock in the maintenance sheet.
6:19
